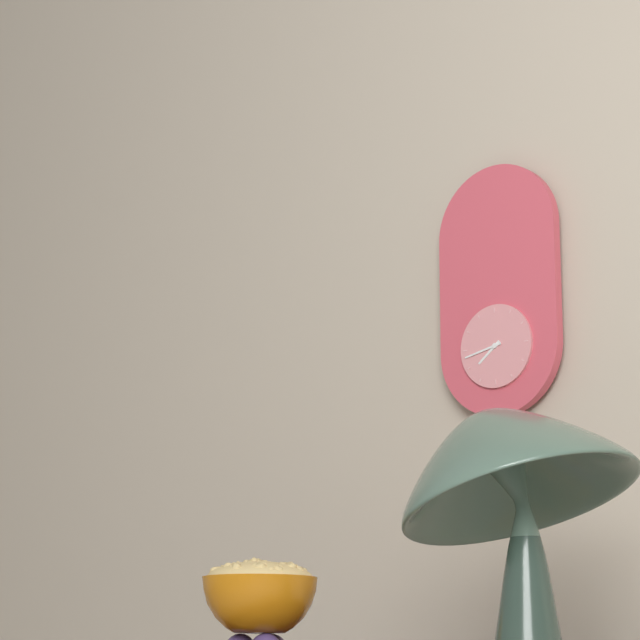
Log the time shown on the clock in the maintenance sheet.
7:43
